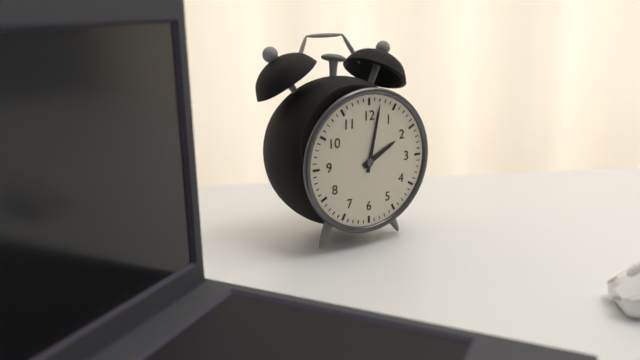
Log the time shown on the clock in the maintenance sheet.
2:02
